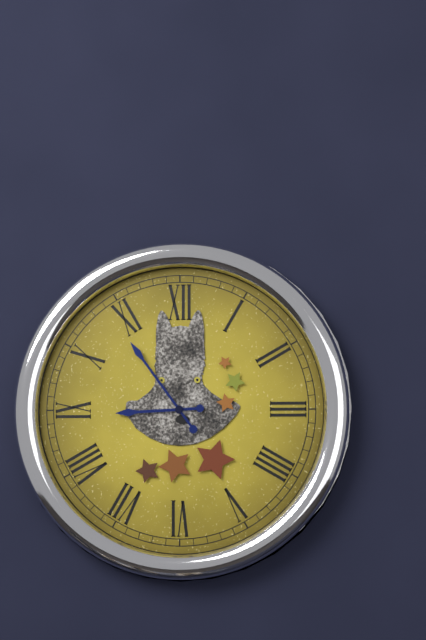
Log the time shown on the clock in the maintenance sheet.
8:54
